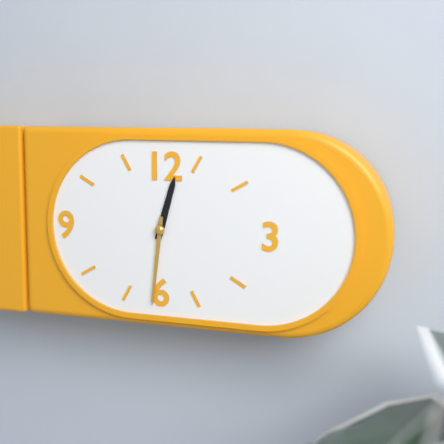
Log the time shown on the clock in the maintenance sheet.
12:31
